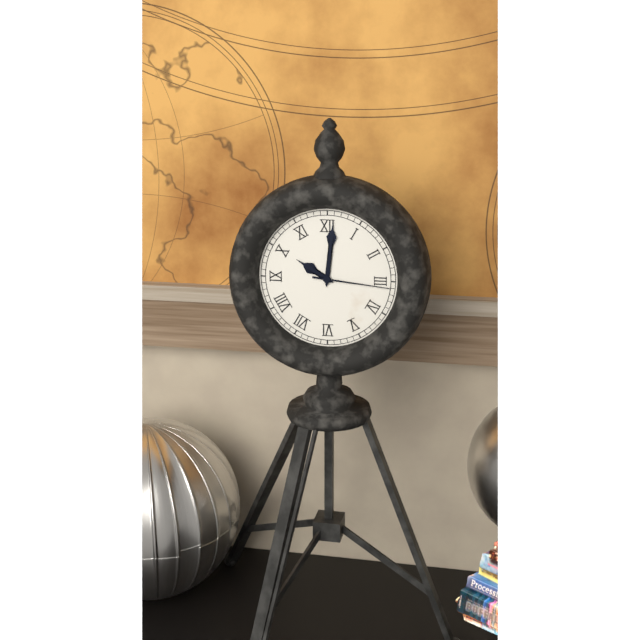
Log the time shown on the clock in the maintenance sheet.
10:01:16
